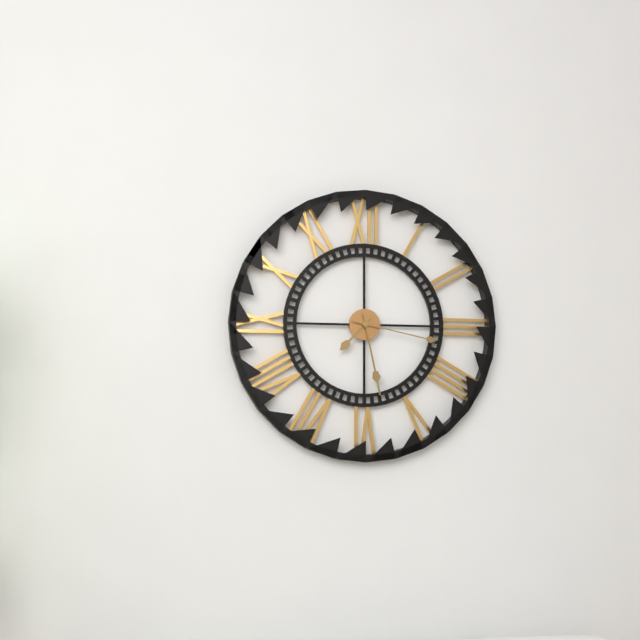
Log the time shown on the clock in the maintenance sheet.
7:28:17
